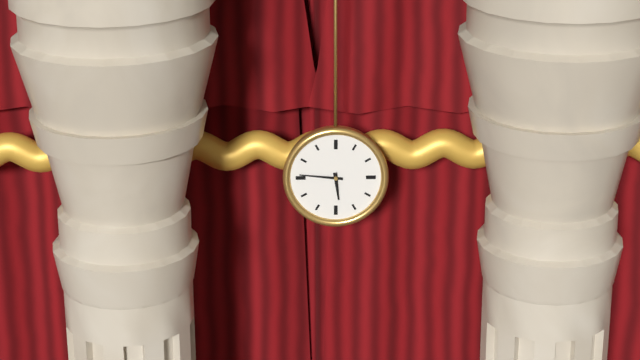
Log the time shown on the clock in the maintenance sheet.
5:46
